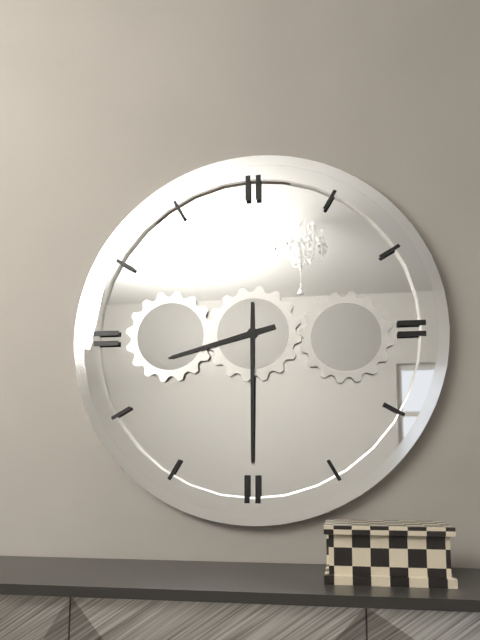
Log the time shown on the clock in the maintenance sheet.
8:30
